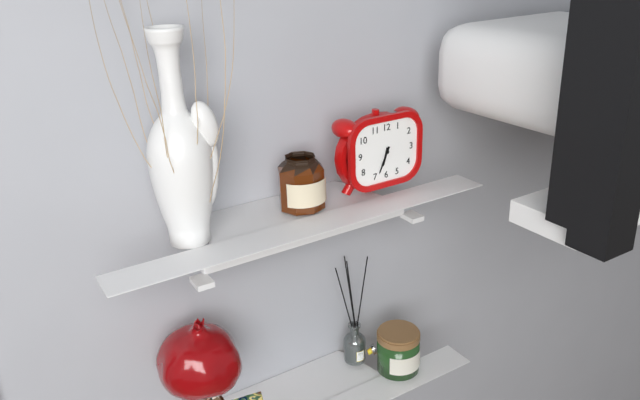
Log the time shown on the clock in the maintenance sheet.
6:34
